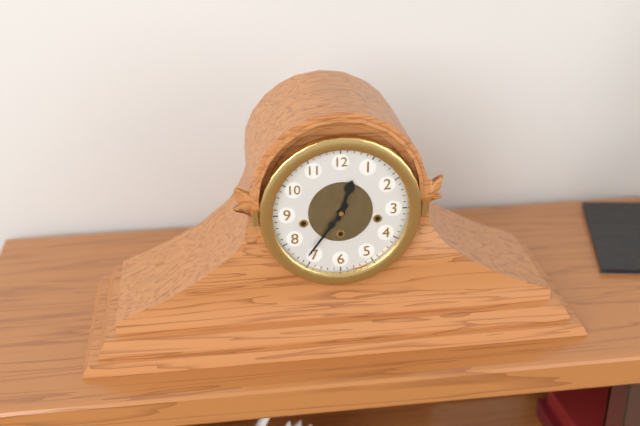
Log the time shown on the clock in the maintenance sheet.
12:36
